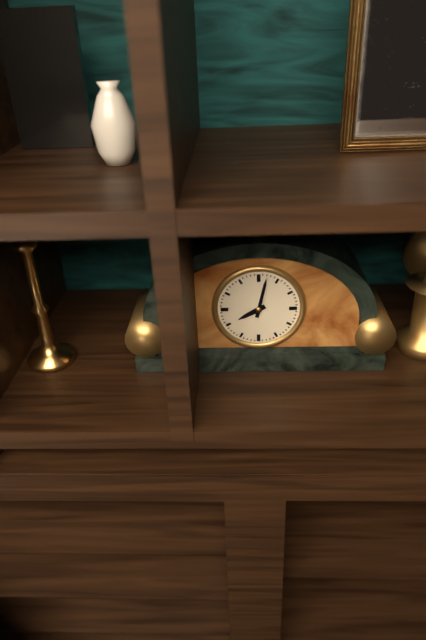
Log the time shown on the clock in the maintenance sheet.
8:02
